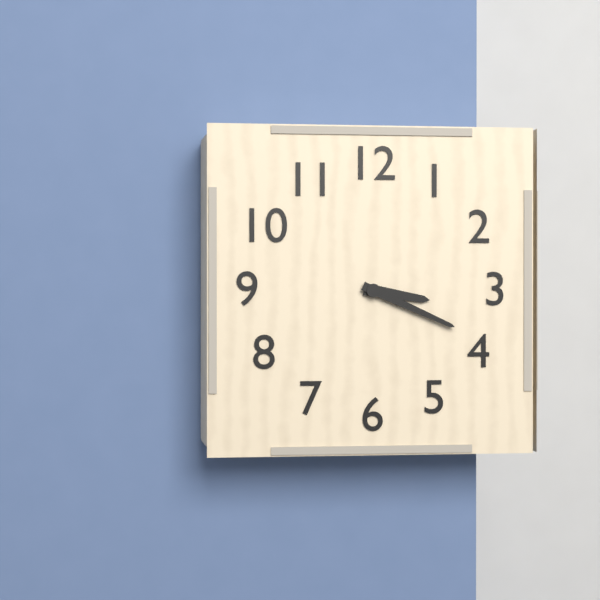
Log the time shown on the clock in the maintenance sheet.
3:19
